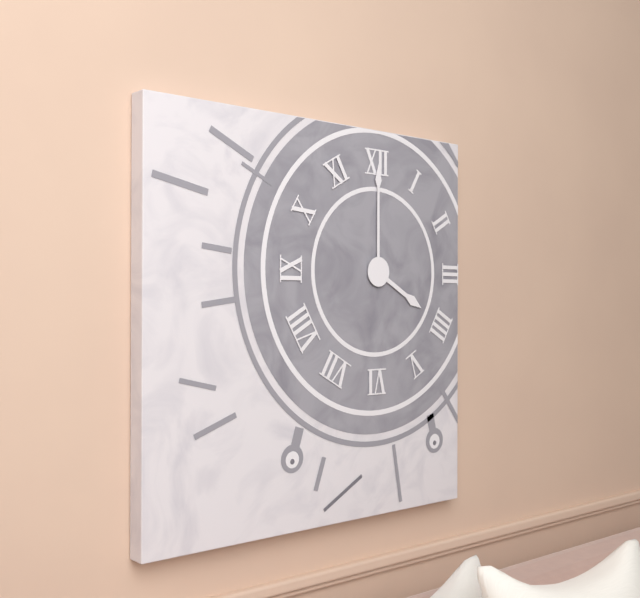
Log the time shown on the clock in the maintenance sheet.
4:00
